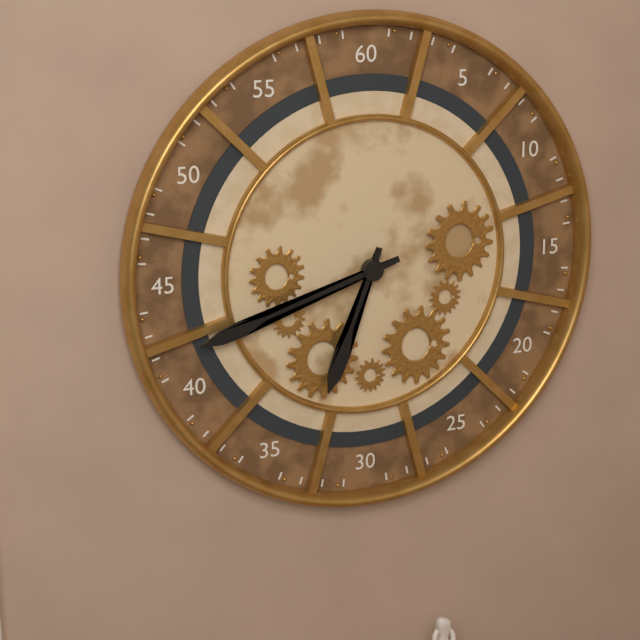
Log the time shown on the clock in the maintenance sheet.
6:42
